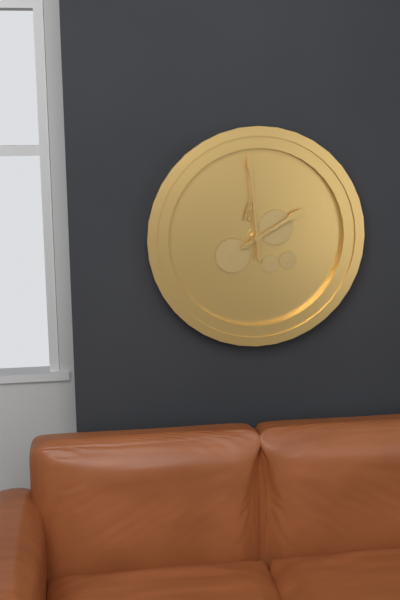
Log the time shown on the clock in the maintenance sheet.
1:59
